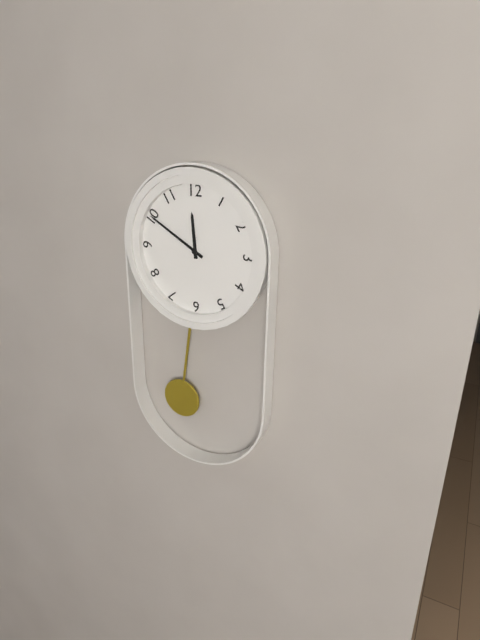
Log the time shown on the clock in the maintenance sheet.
11:50
